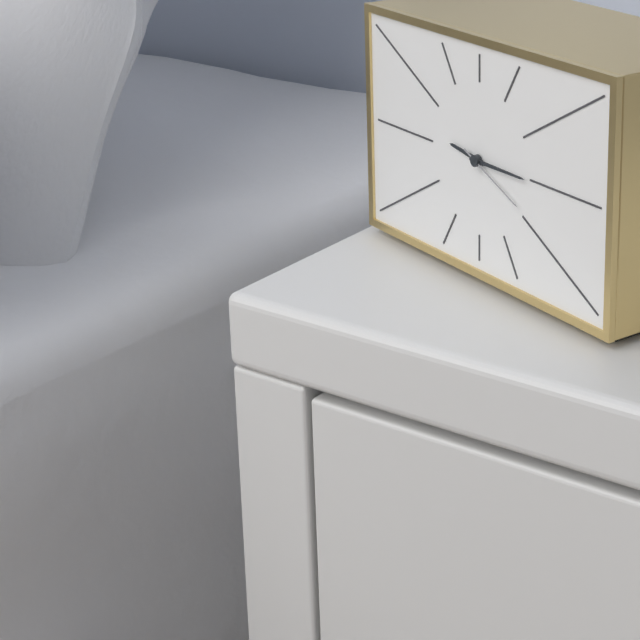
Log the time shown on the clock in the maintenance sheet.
9:15:19
